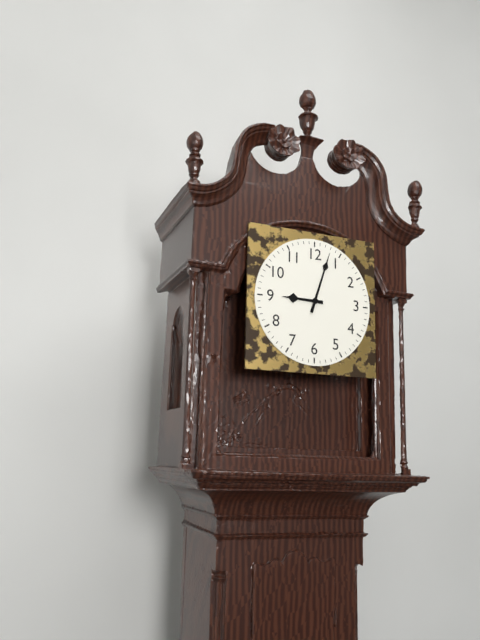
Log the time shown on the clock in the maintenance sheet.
9:03
